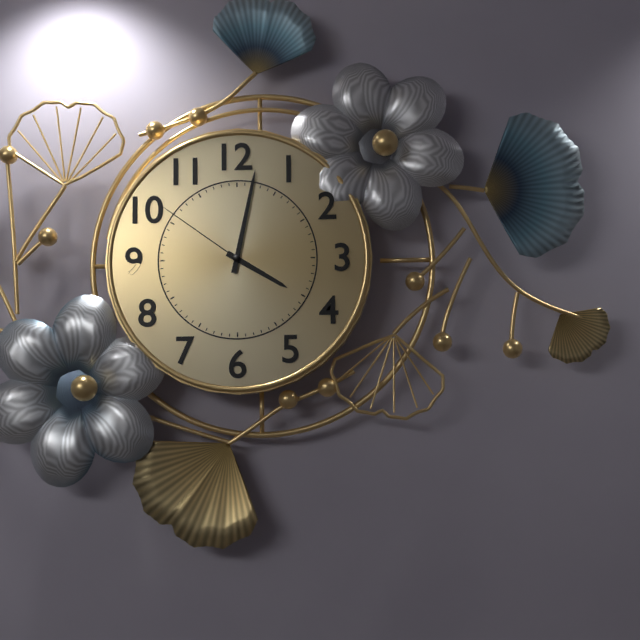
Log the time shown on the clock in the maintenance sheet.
4:02:51
